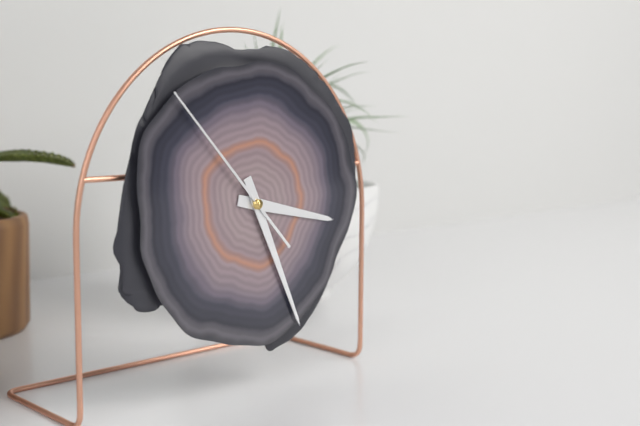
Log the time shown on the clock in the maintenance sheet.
3:26:53
